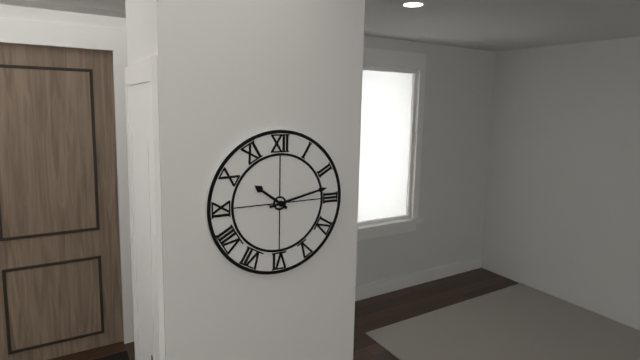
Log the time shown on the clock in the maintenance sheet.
10:13
